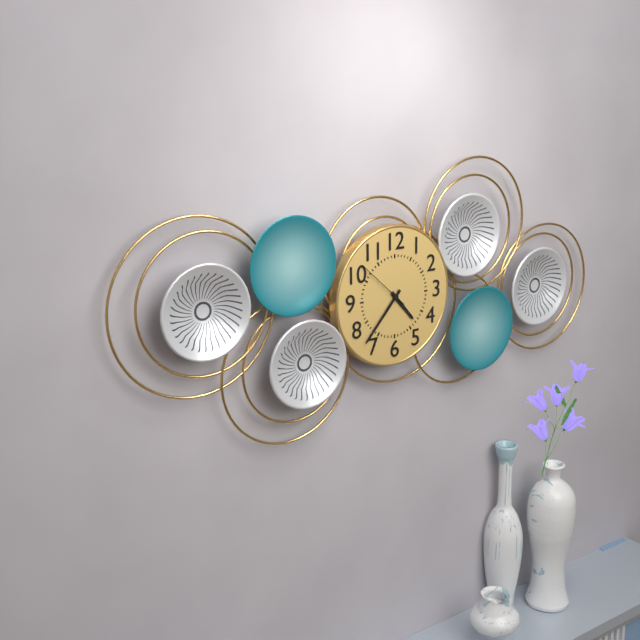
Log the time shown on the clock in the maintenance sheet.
4:37:52
